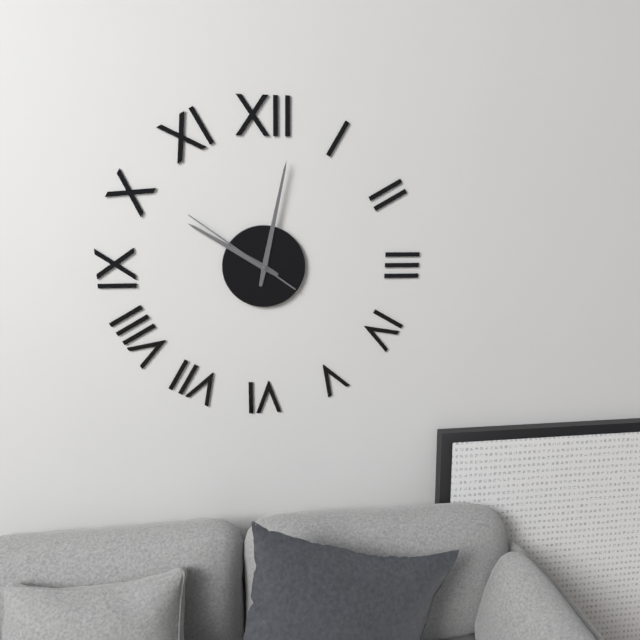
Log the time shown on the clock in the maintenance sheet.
10:02:51
